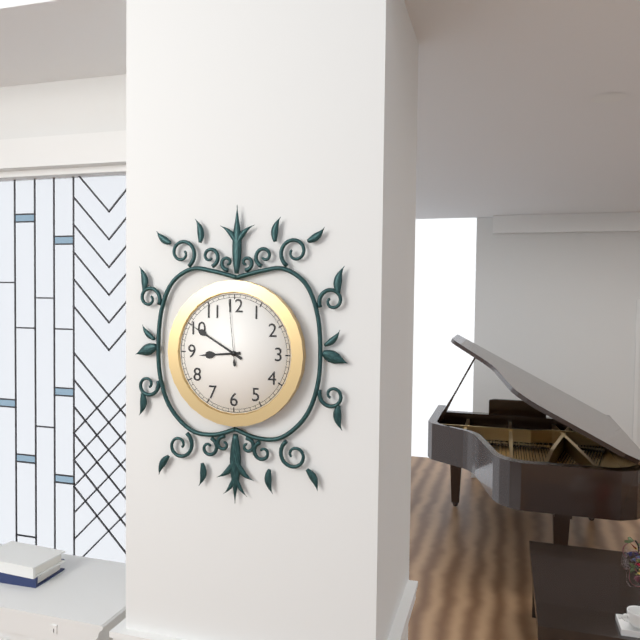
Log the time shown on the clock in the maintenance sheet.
8:50:59
